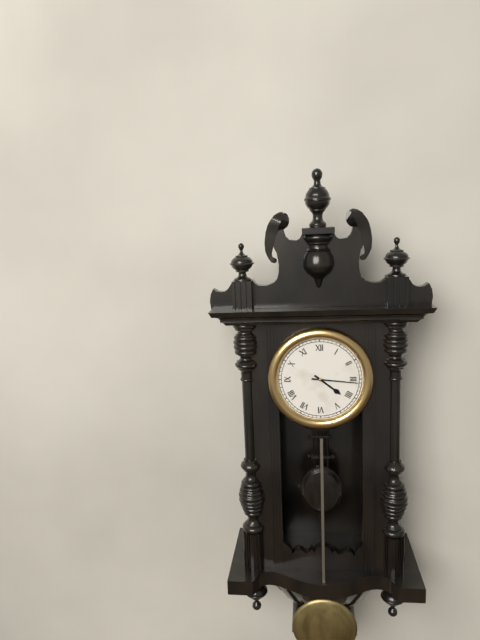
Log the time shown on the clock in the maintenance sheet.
4:16
